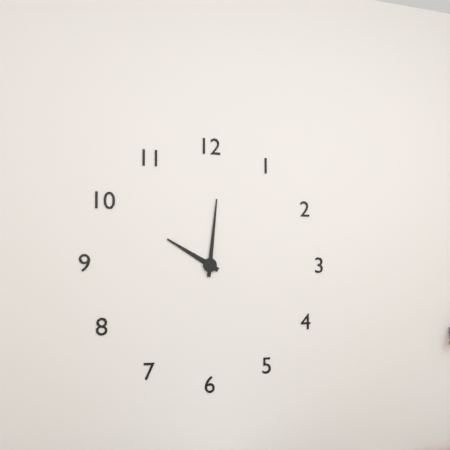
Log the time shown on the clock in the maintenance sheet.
10:01
